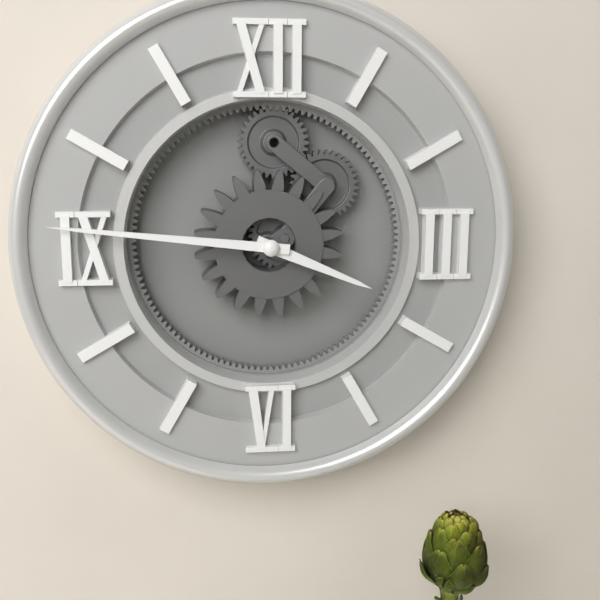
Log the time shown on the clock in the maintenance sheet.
3:46
